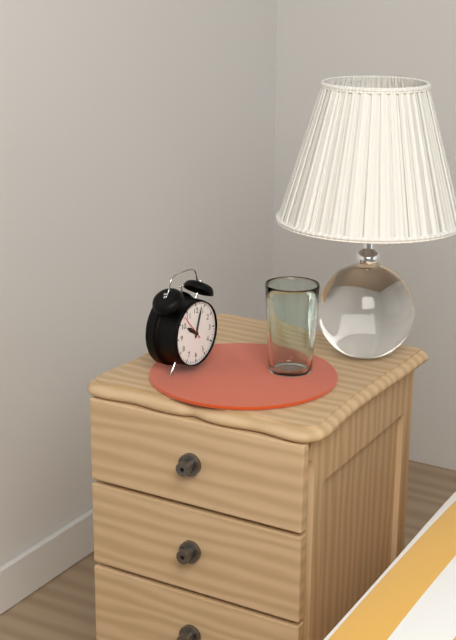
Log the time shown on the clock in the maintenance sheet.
10:03
